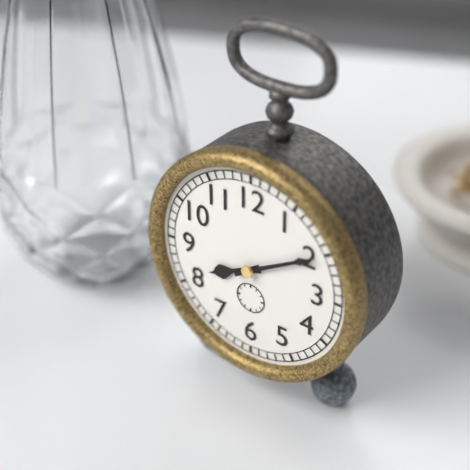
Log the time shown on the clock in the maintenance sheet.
8:10
